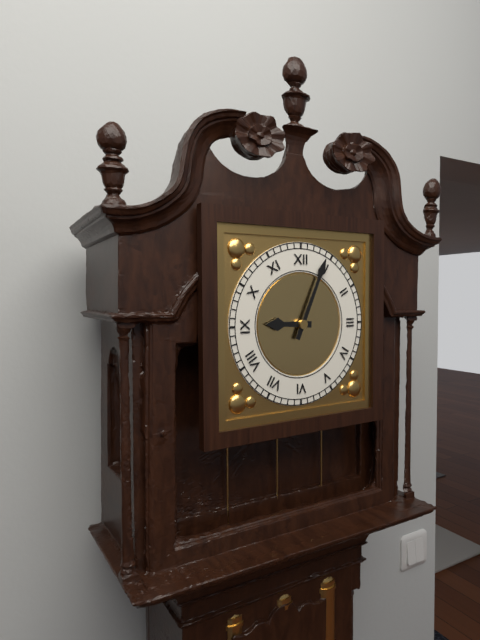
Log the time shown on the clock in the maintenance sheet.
9:04
